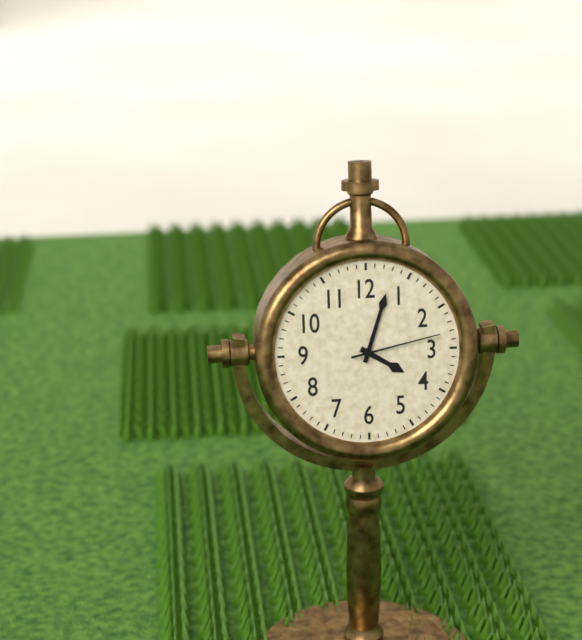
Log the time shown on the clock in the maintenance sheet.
4:03:13
